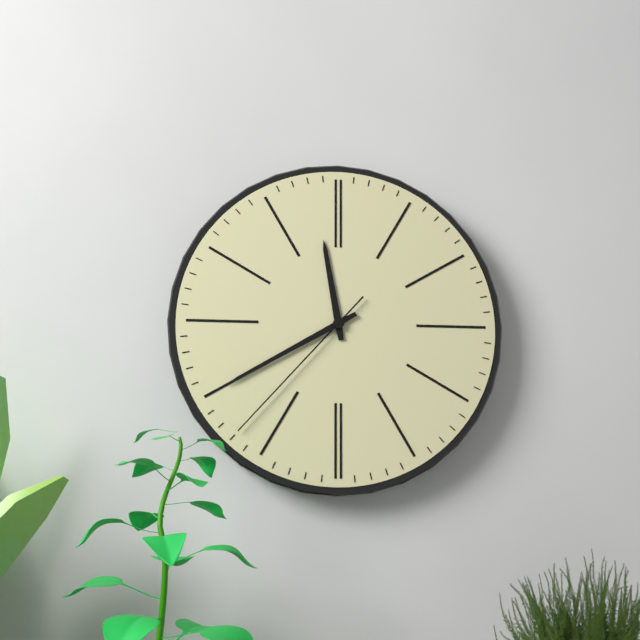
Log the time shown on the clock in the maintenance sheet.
11:40:37
